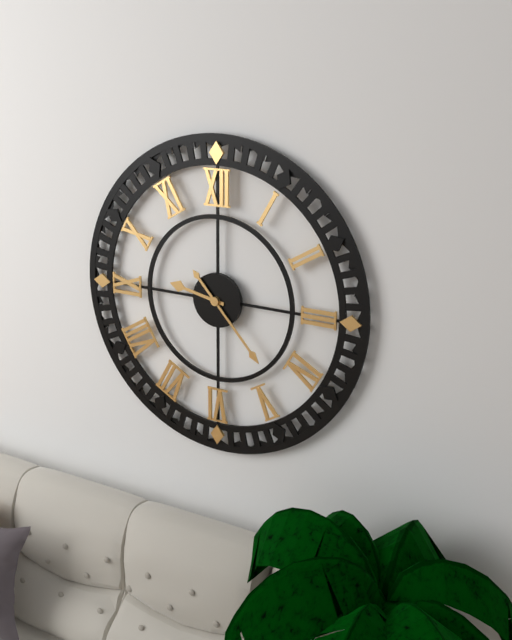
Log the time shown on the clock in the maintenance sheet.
9:23
